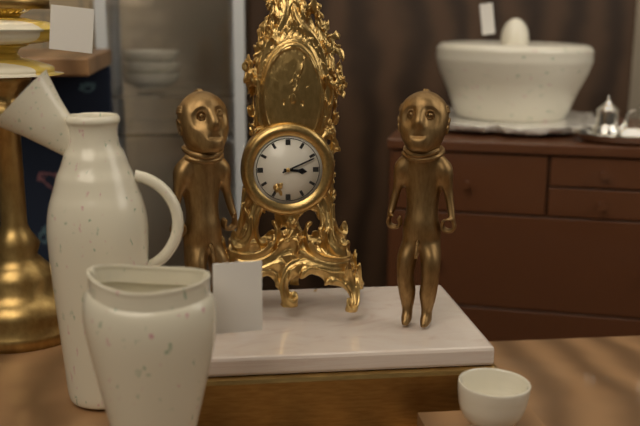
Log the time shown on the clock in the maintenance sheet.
3:11
